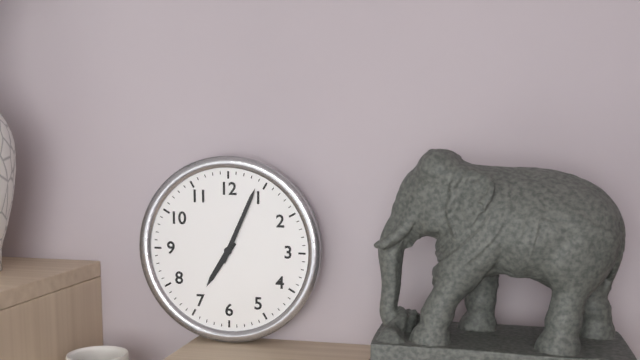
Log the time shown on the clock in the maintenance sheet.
7:04
